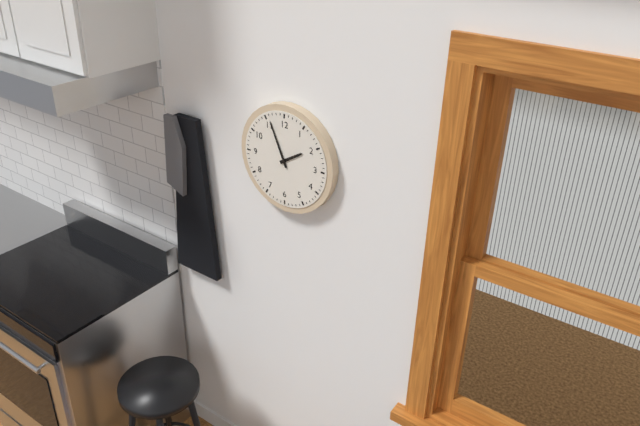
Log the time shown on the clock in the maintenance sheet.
1:56
